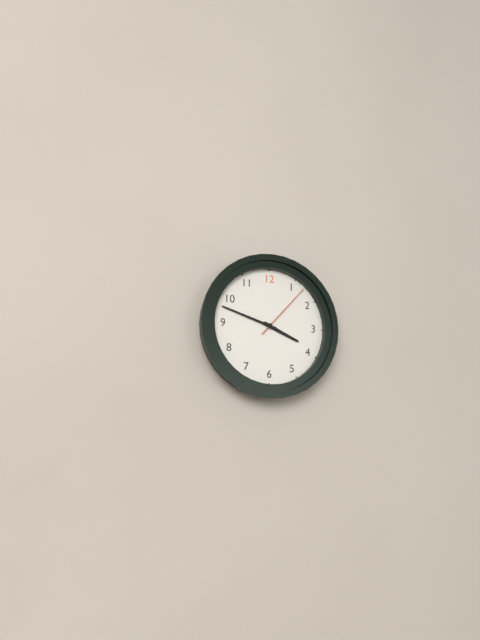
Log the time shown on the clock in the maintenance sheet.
3:48:07
